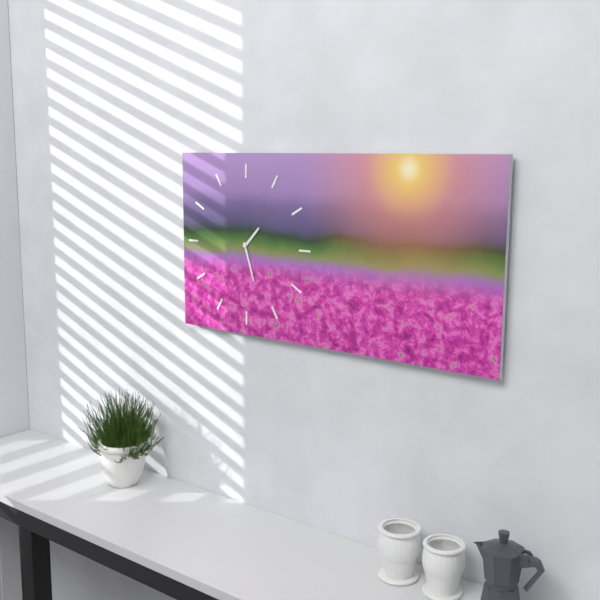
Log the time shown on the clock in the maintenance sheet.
1:27
